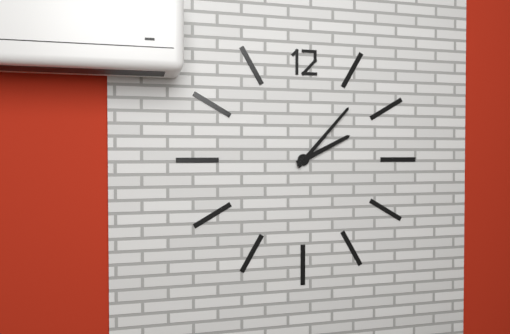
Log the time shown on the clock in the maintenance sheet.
2:07
